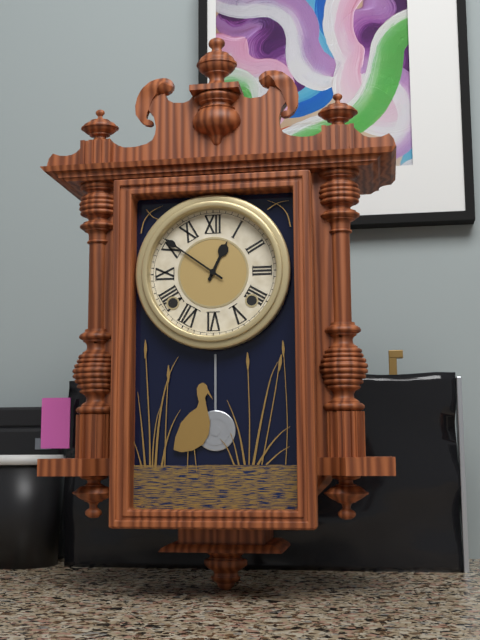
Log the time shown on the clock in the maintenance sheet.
12:51
